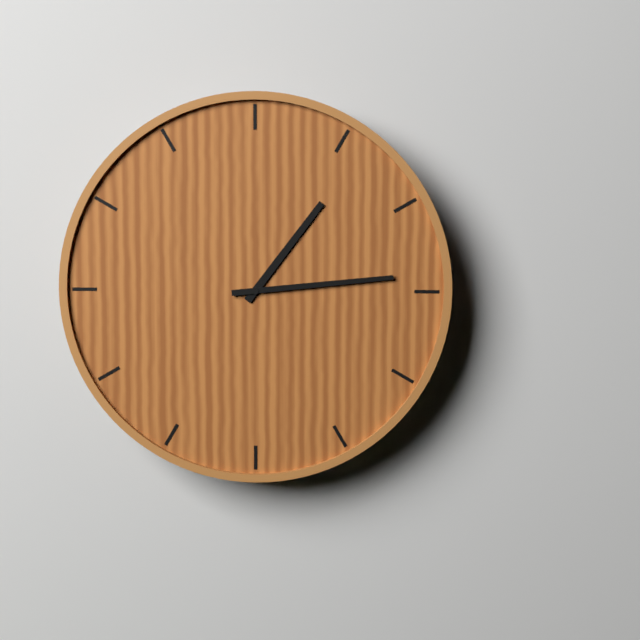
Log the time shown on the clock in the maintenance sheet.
1:14
